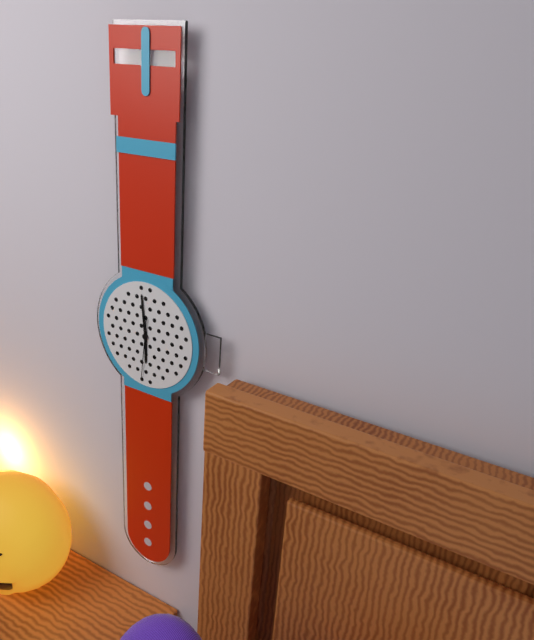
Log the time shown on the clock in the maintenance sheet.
5:59:31
